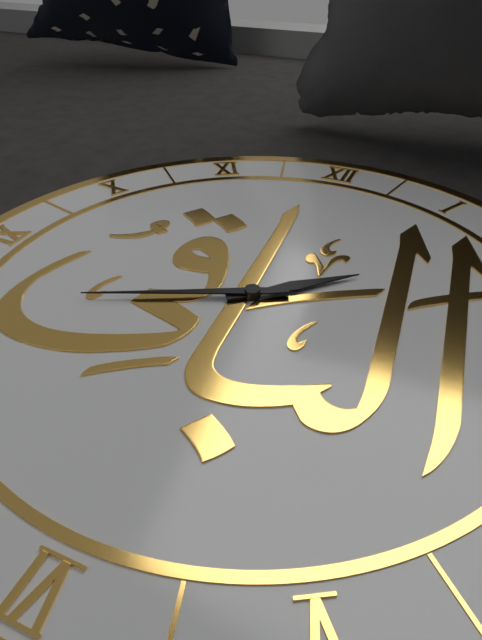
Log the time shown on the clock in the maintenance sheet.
1:41
